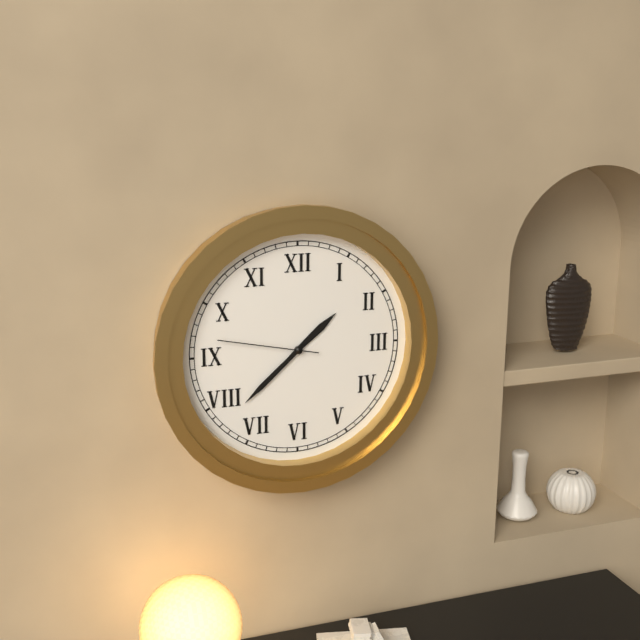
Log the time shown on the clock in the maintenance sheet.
1:38:47
